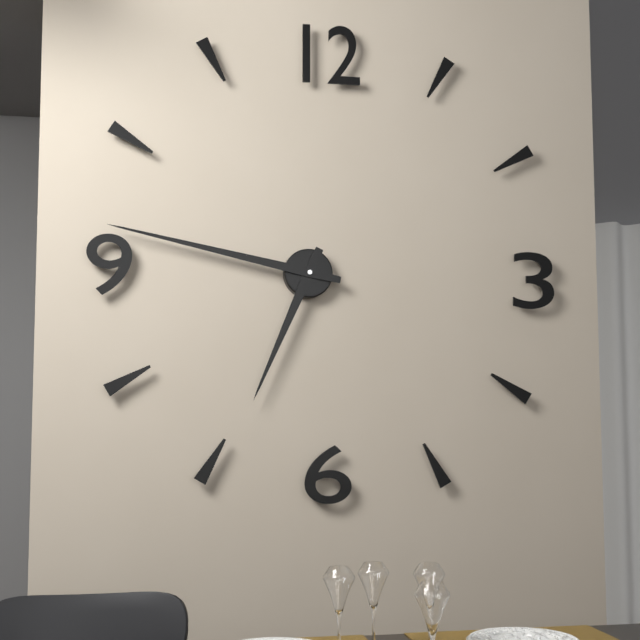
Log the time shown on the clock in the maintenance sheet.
6:47
